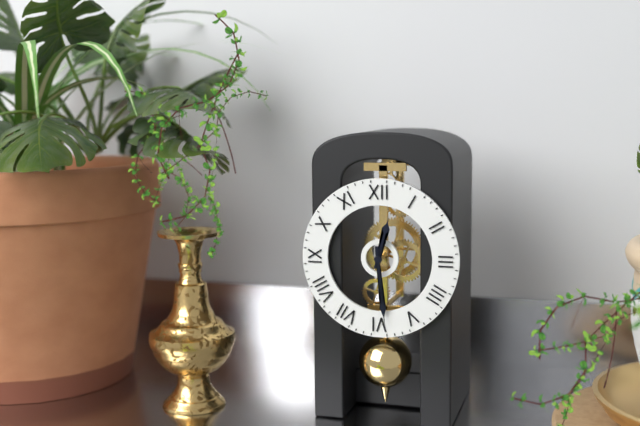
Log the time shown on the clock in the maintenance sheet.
12:29
